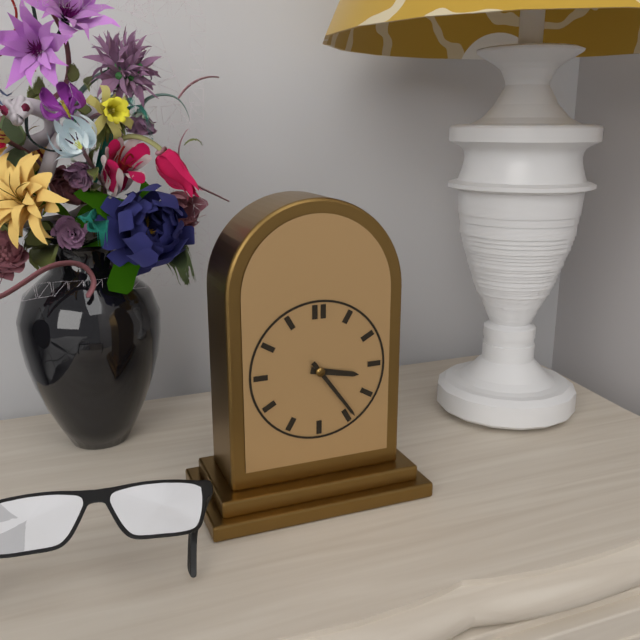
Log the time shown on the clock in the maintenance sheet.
3:24
